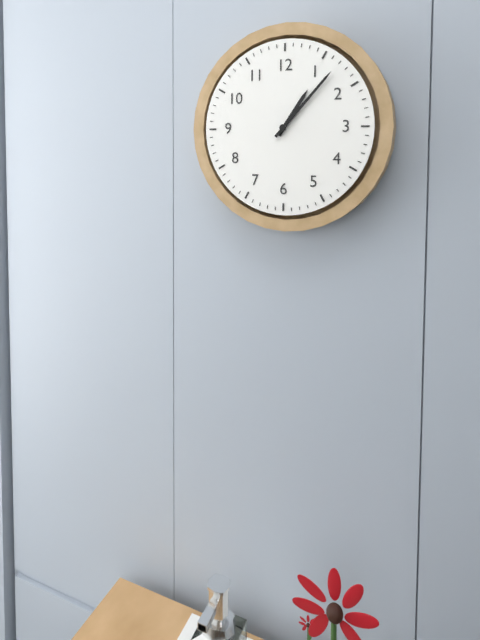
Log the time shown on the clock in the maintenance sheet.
1:07
